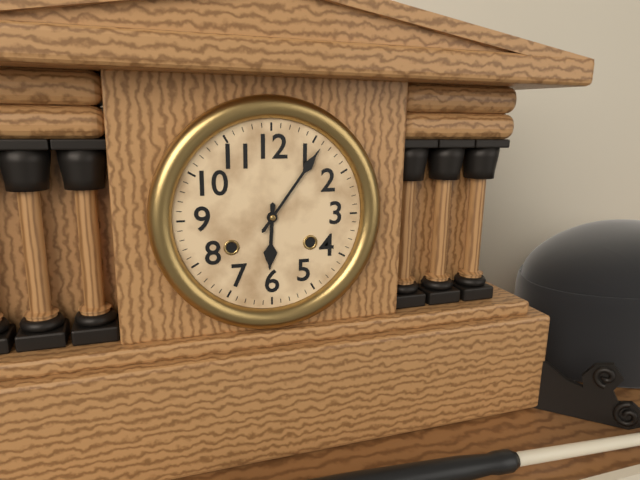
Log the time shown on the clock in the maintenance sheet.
6:06
